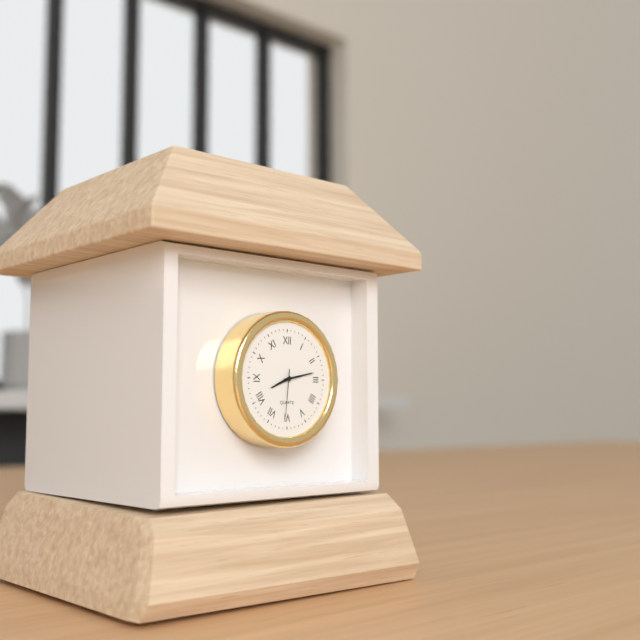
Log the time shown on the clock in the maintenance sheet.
8:13
